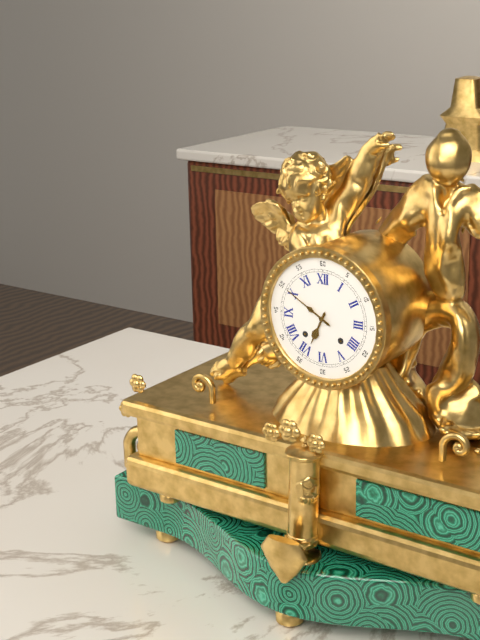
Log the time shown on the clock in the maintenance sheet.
6:50
